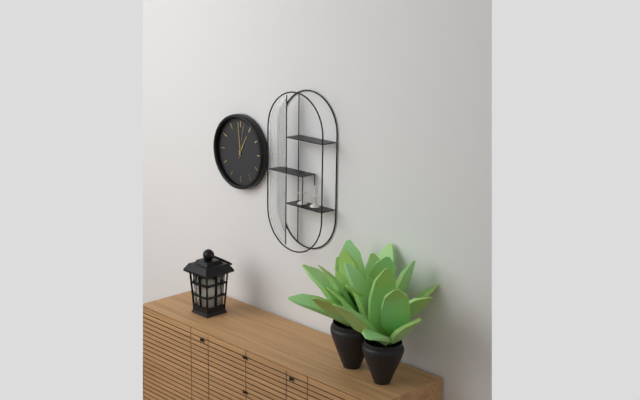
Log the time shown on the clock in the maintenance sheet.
12:59
